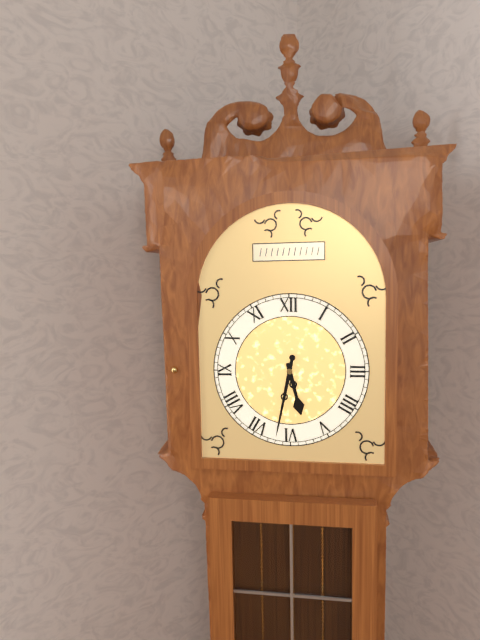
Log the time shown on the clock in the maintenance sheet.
5:32
